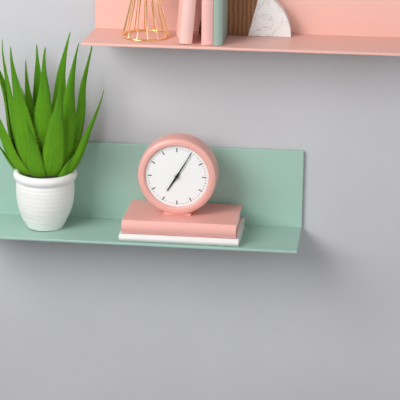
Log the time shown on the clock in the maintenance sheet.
7:05
